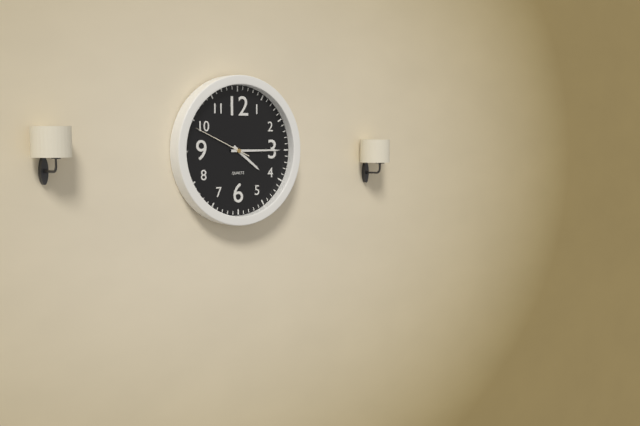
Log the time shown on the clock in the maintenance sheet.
4:15:49
